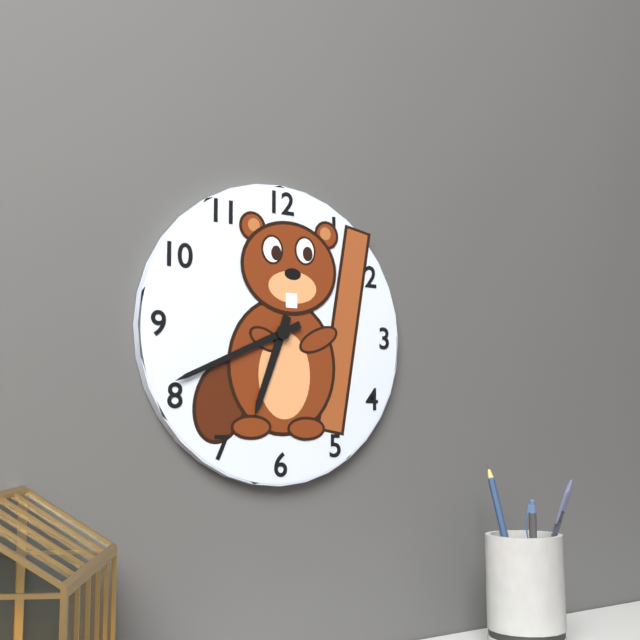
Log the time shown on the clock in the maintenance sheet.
6:41
